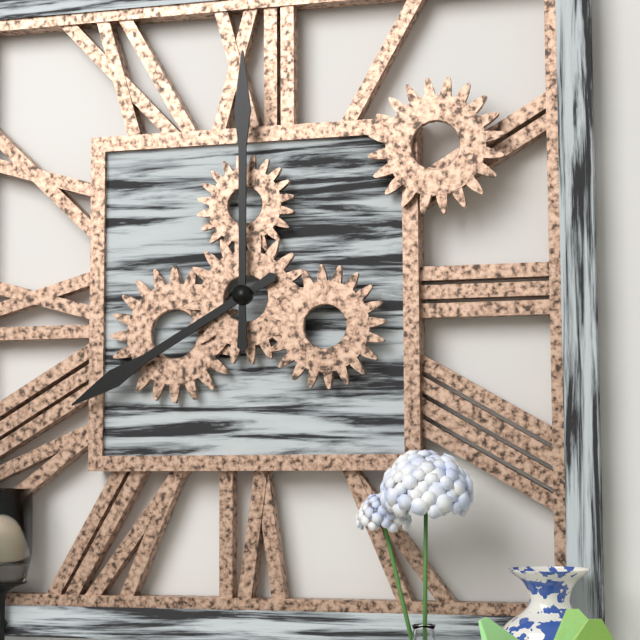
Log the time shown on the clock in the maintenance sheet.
8:00
